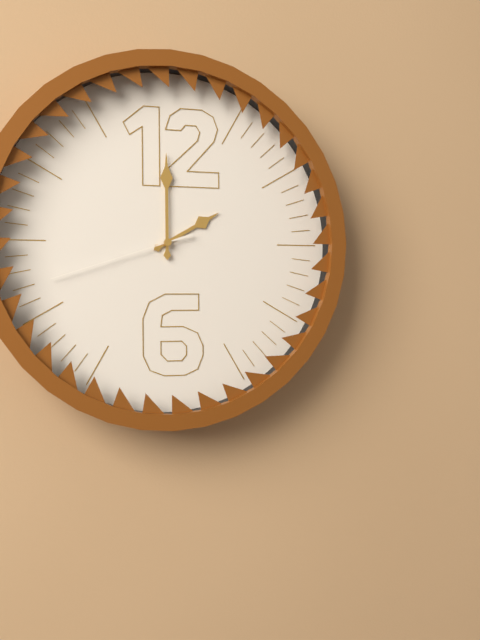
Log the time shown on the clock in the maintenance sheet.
2:00:42
